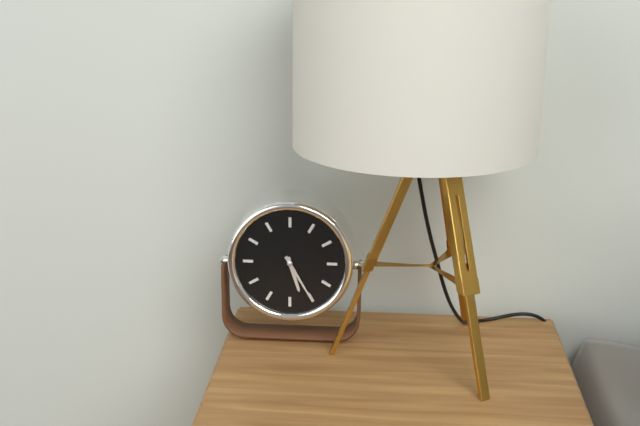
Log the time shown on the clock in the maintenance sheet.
5:25
